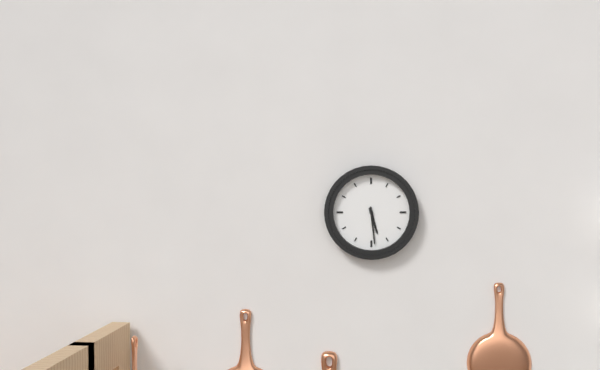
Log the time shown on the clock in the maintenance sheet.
5:29
